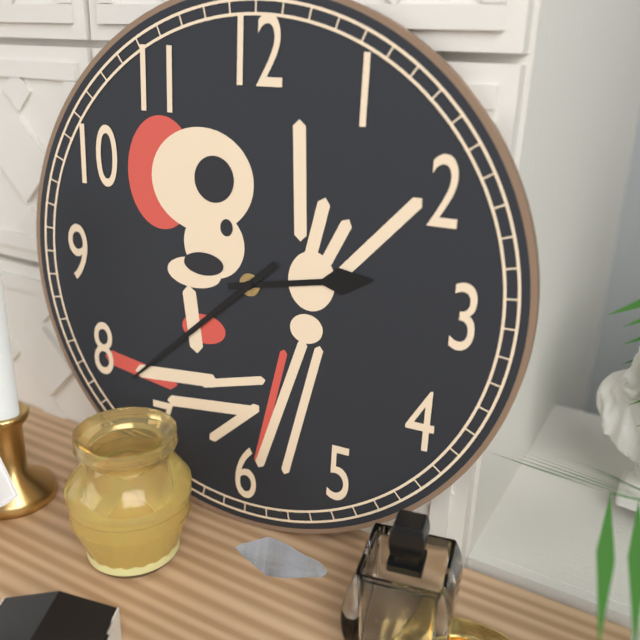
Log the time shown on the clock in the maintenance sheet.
2:38
